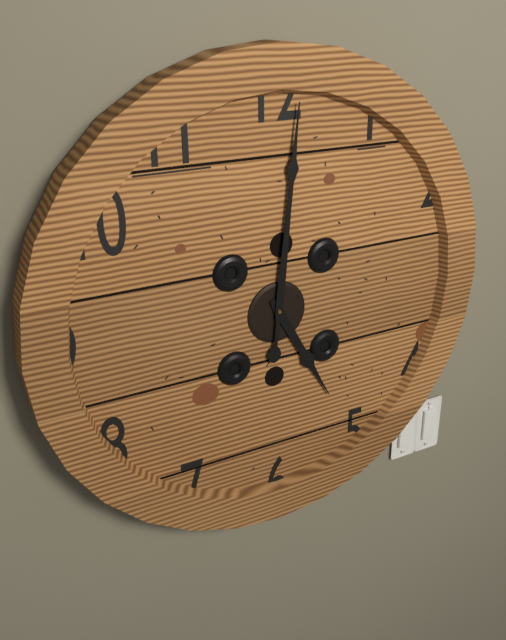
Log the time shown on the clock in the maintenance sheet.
5:01
